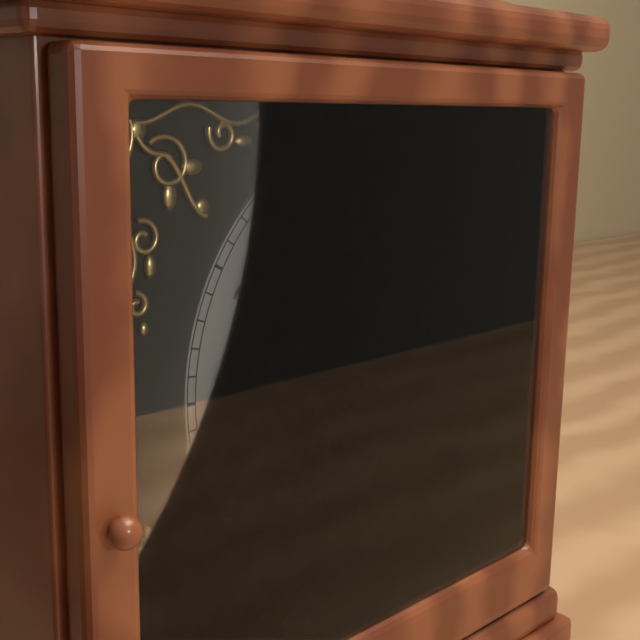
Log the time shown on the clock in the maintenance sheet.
12:25
